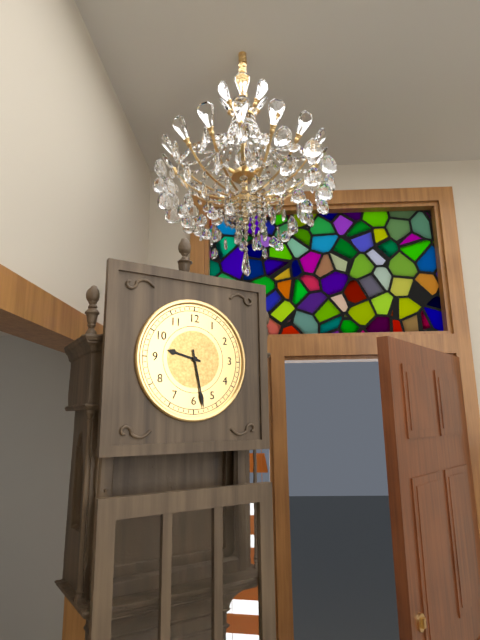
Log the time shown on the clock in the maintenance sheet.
9:28
